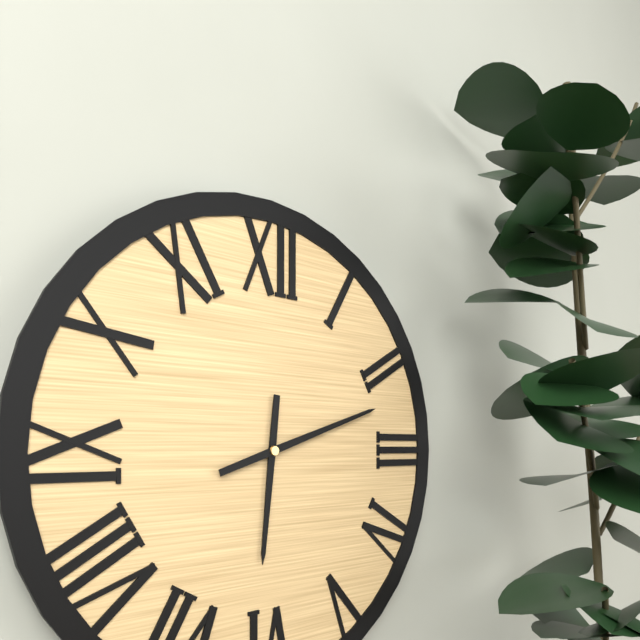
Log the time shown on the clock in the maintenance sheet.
6:12
